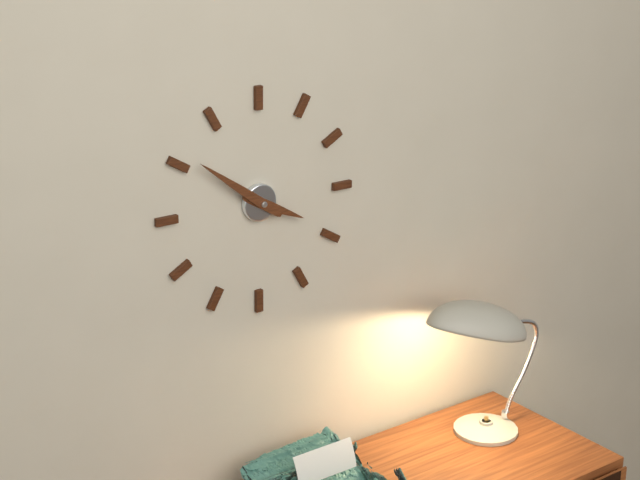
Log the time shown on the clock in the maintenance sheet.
3:51
